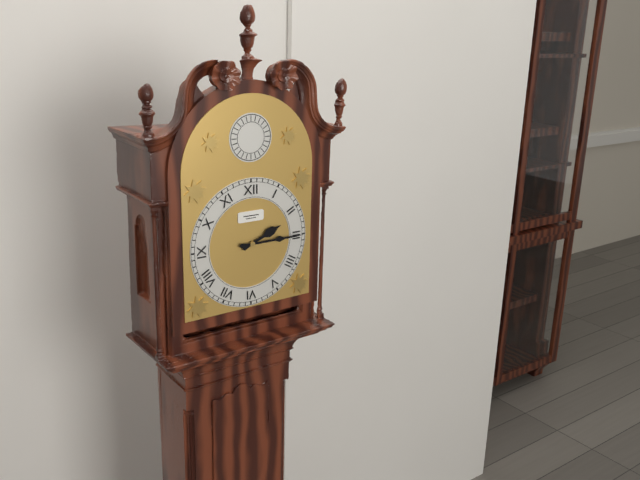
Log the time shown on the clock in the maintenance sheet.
2:15
